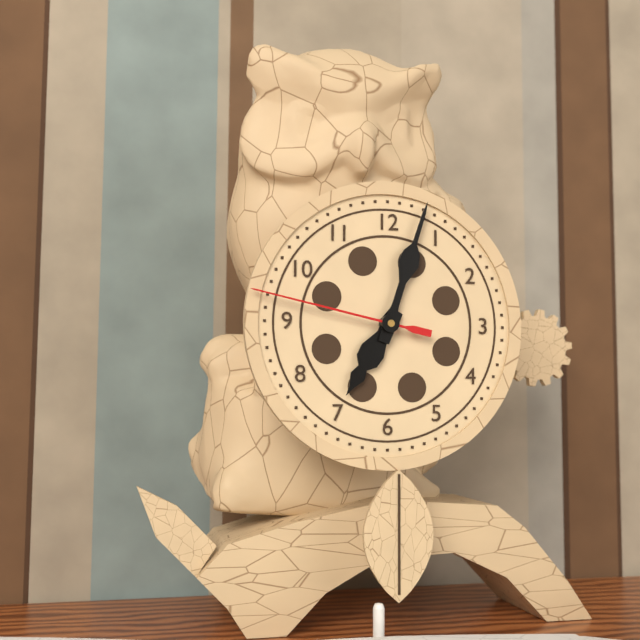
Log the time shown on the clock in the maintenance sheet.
7:03:47
